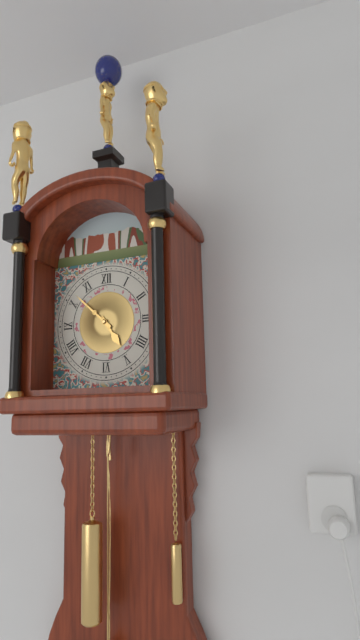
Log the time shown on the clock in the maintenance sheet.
4:52
